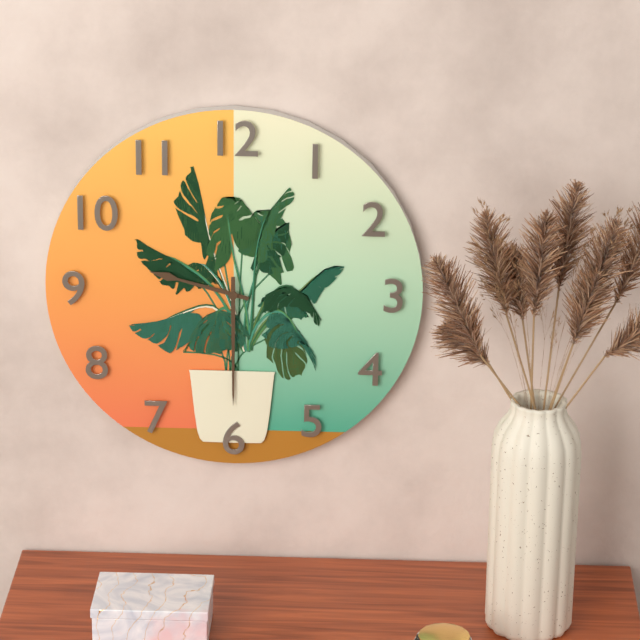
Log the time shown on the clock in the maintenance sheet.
9:30
